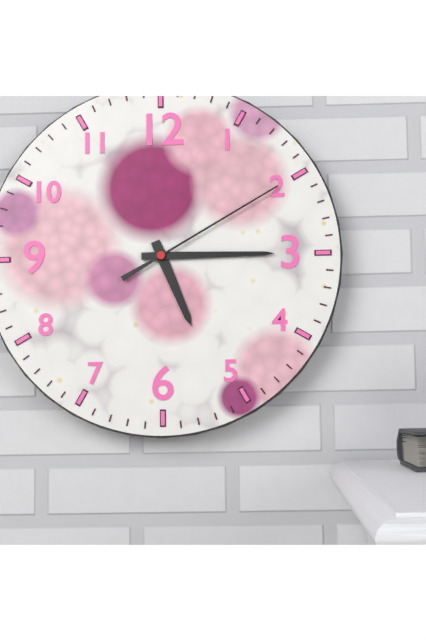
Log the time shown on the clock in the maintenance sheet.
5:15:10
